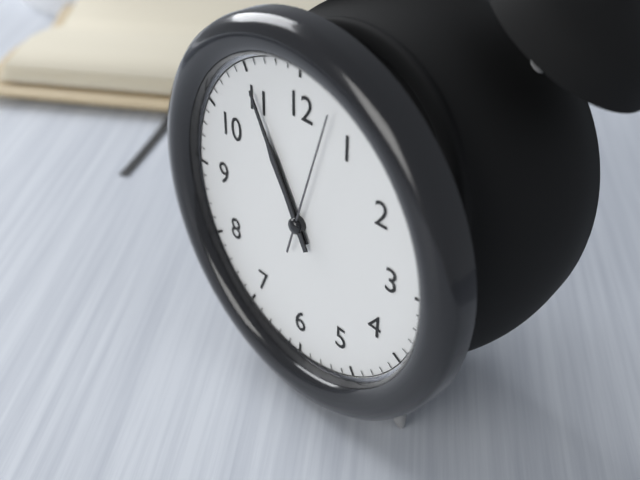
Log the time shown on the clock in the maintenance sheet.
10:55:03
